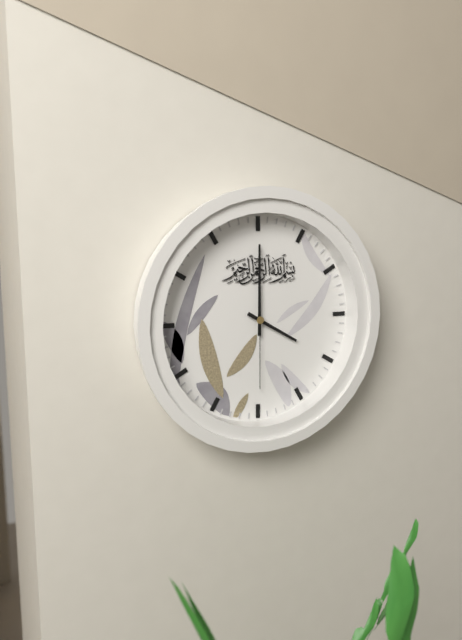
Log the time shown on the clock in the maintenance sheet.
4:00:30
